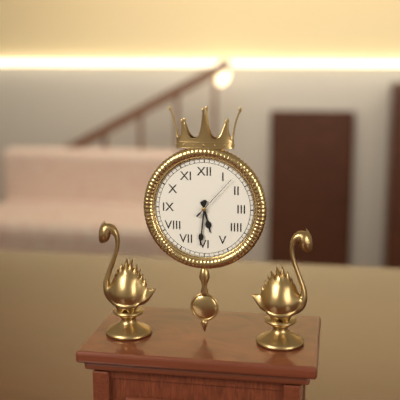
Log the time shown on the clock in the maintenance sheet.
5:31:07
